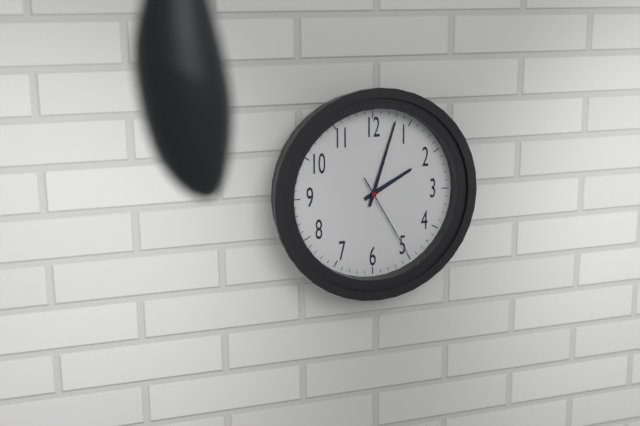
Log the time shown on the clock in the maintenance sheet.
2:03:25
